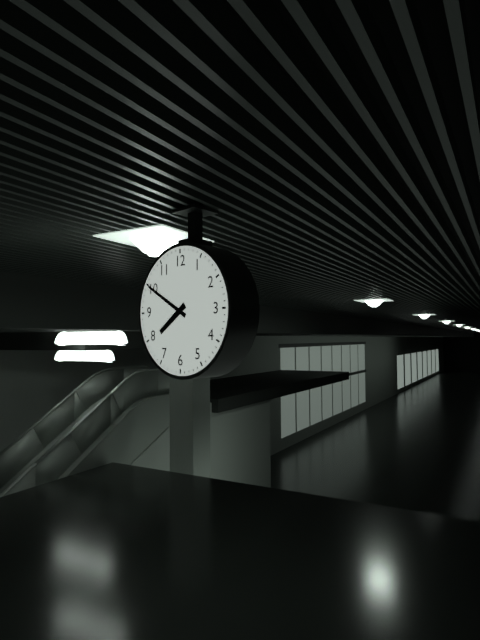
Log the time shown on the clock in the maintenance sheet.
7:50
